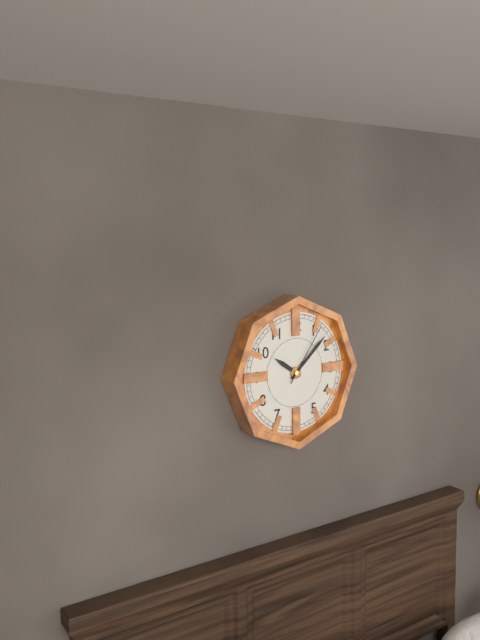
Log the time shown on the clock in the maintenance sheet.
10:08:06
